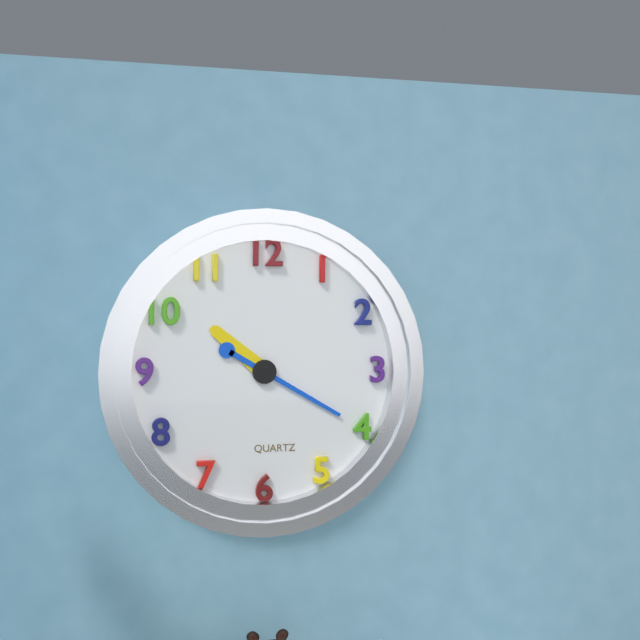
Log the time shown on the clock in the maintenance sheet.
10:20
